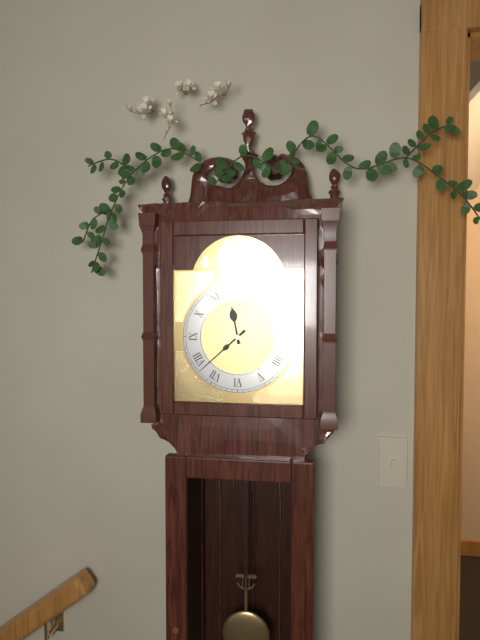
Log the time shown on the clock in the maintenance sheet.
11:38
